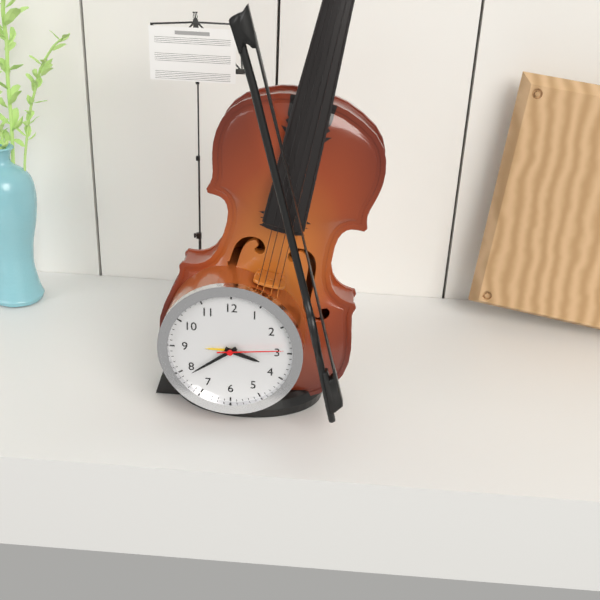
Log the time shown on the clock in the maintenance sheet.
3:39:14
